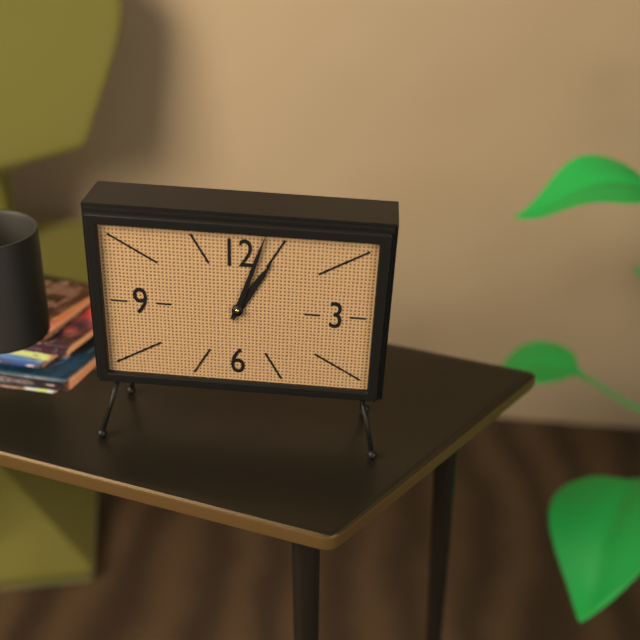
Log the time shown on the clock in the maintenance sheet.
1:03
